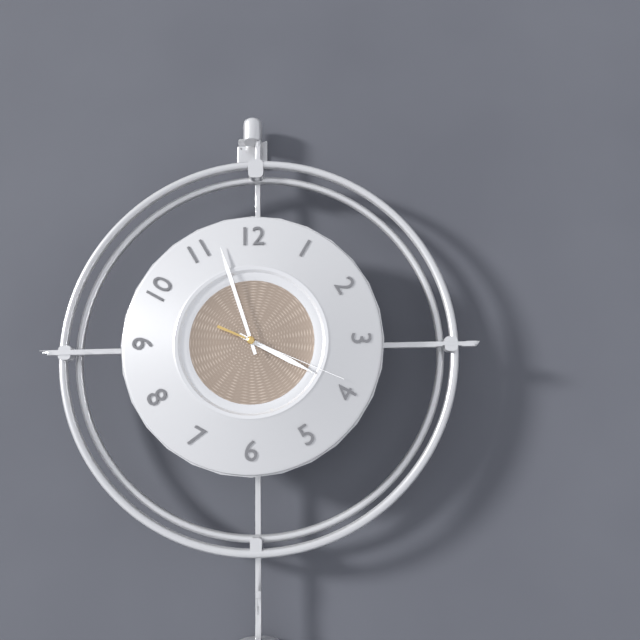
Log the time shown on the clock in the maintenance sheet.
3:57:19
